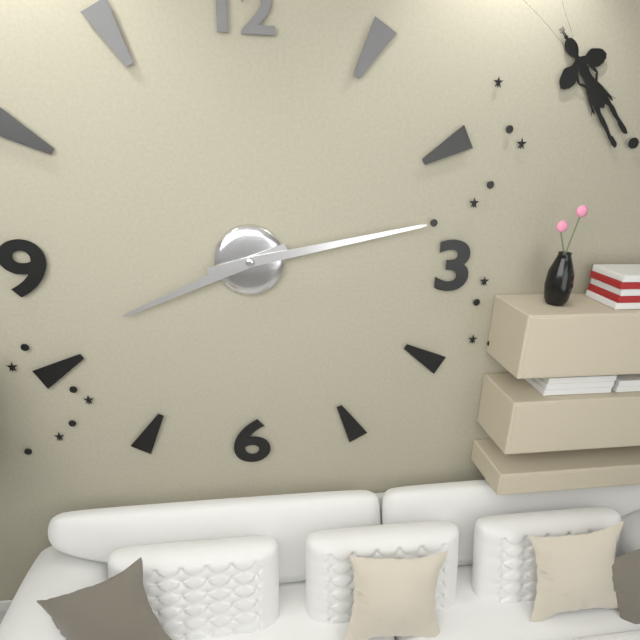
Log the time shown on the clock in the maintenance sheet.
8:13
